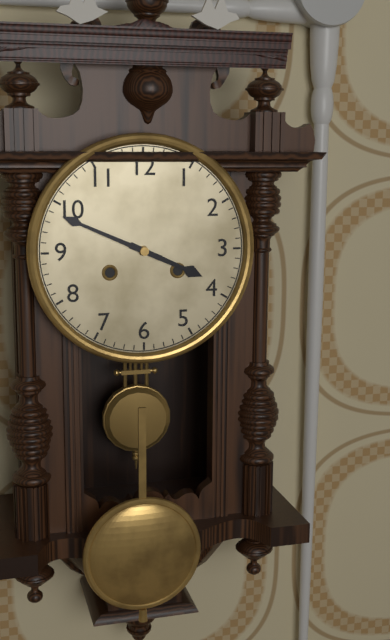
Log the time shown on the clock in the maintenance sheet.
3:49
